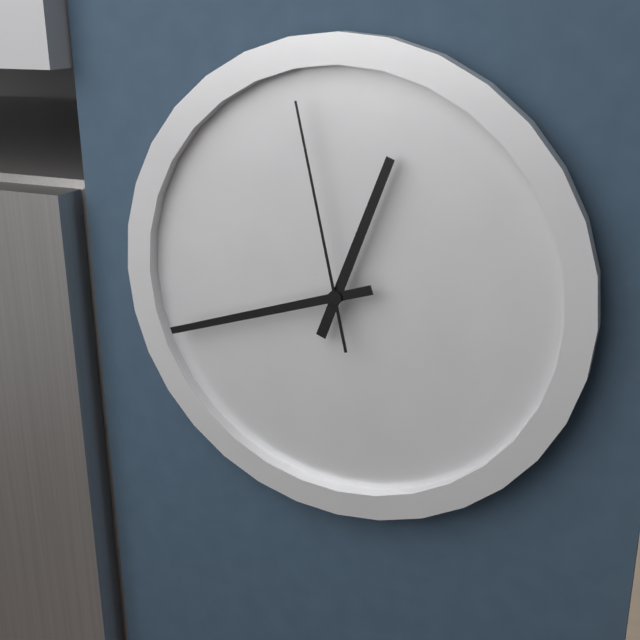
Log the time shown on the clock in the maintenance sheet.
12:42:58
